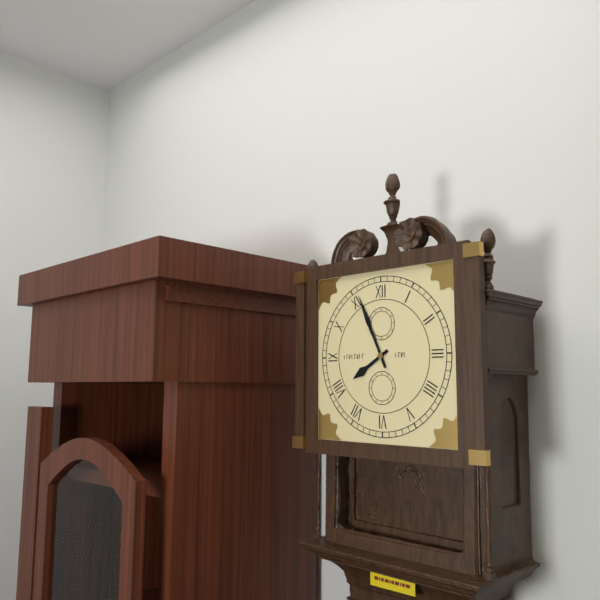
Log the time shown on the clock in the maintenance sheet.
7:56
